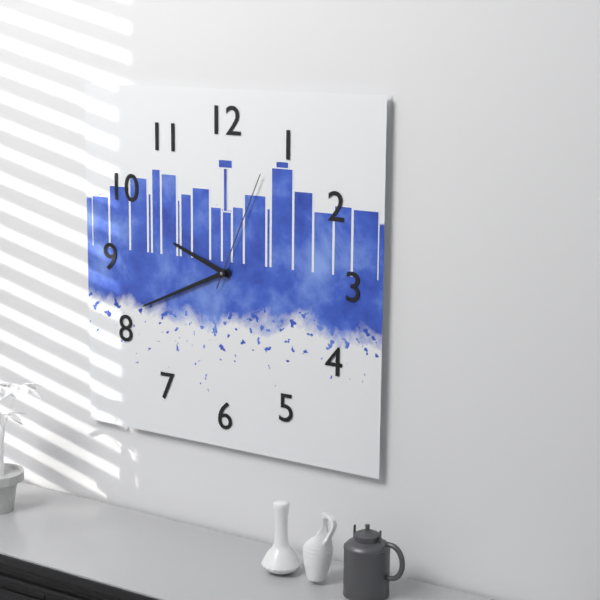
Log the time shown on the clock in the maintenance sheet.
9:41:04
